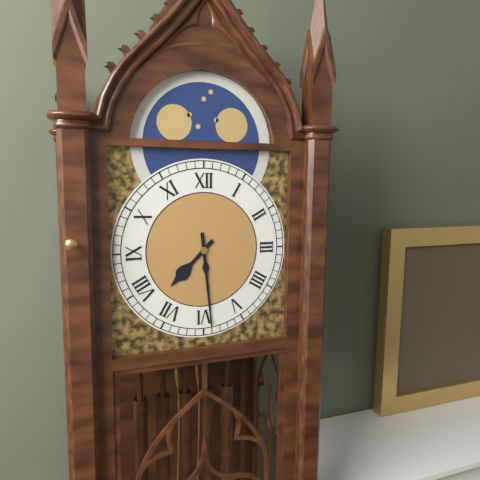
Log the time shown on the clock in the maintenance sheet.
7:29
